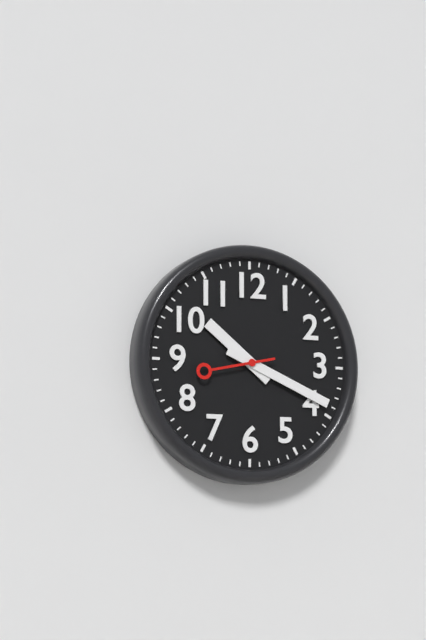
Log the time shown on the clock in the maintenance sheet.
10:19:43
